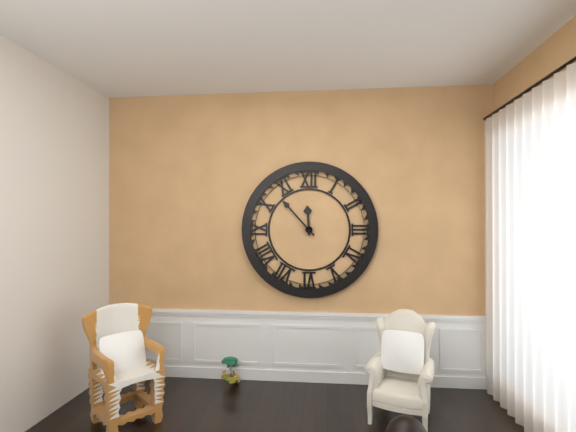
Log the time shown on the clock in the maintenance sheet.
11:53
